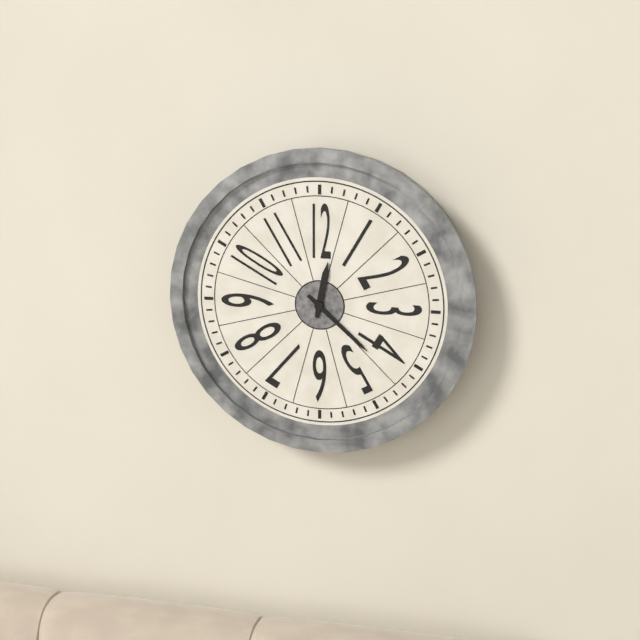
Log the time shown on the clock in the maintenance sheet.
12:22
